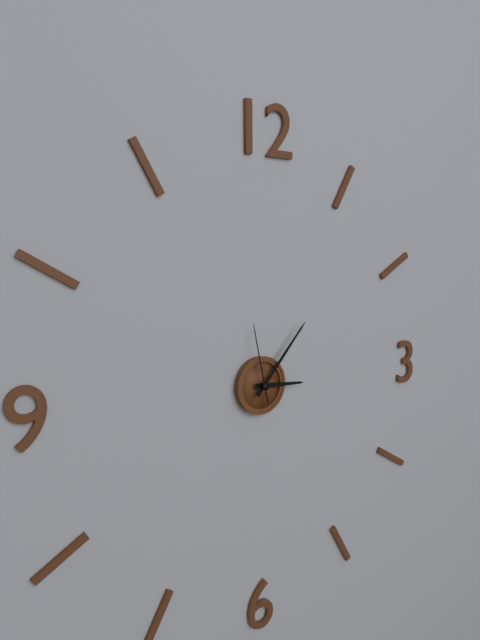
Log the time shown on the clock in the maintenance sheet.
3:07:58
